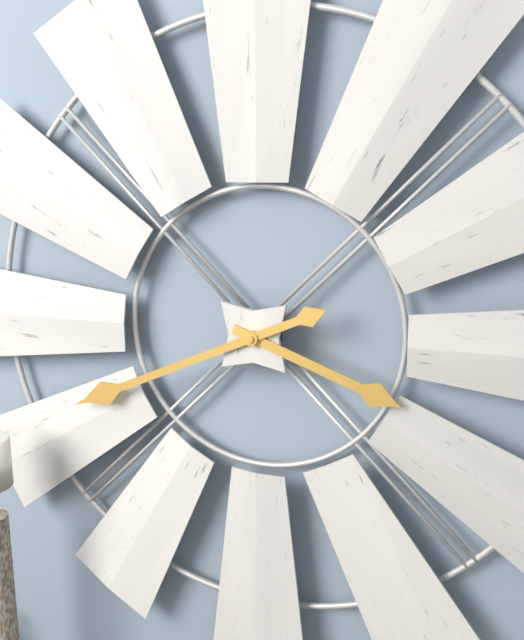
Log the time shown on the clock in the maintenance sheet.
3:41
